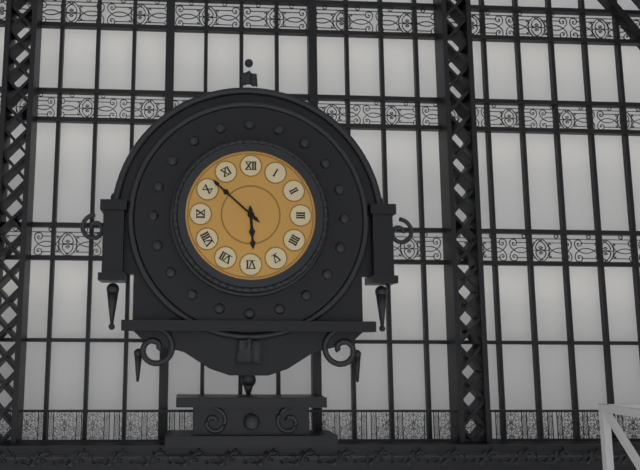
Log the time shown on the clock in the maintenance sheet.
5:52
